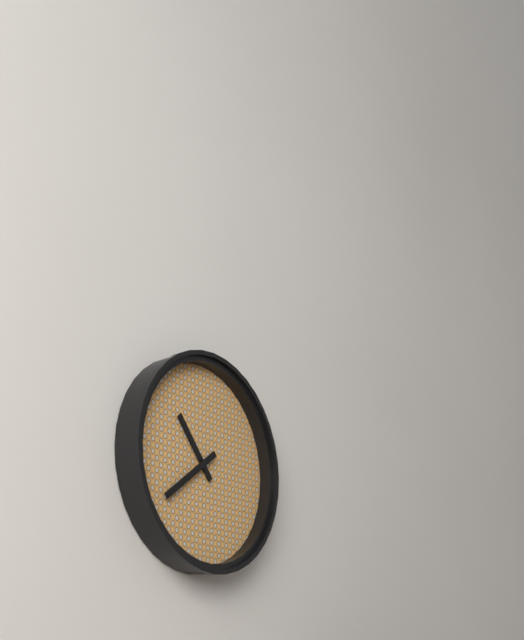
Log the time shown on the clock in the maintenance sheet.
10:39
